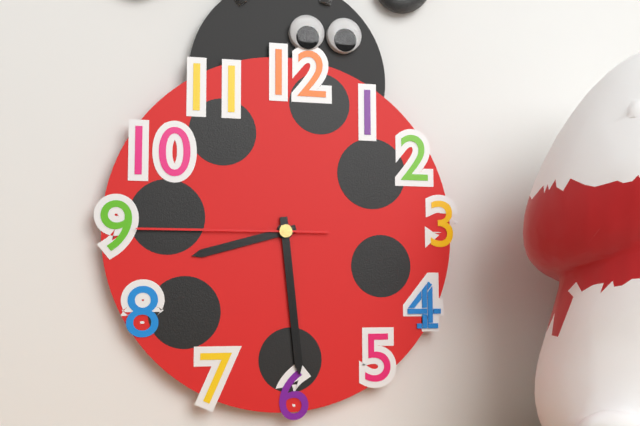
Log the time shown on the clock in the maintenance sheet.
8:29:45
